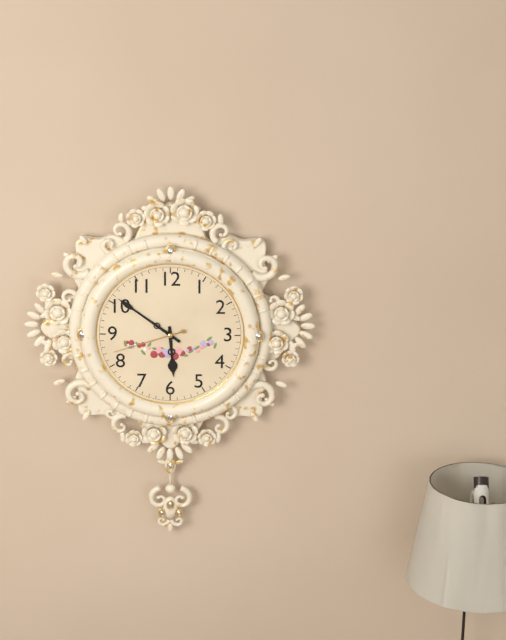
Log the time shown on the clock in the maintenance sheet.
5:51:42
